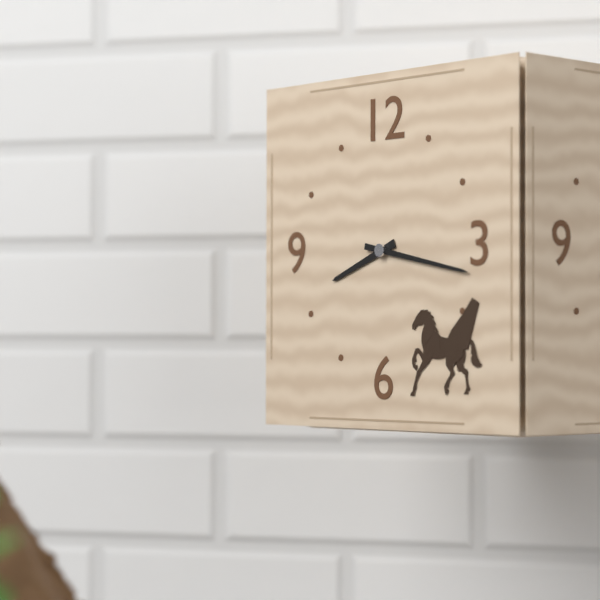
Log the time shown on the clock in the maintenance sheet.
8:17
